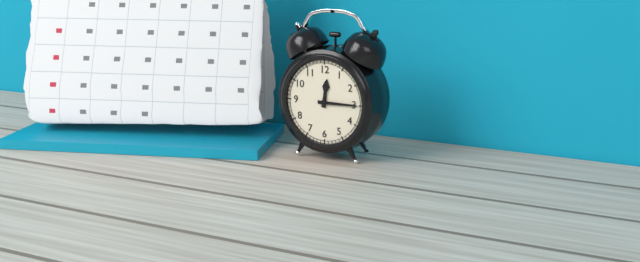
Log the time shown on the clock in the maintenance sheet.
12:15
